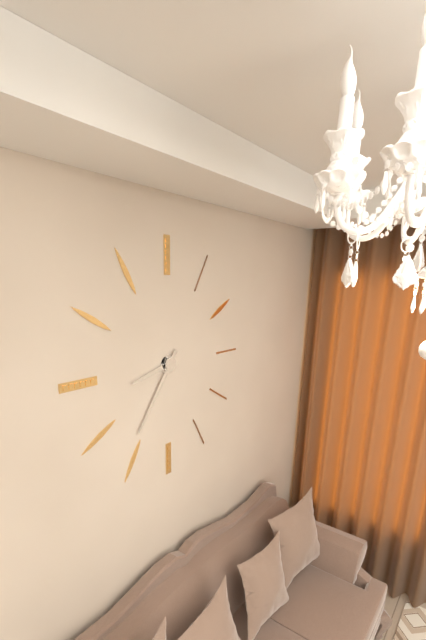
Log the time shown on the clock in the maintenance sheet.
8:36
